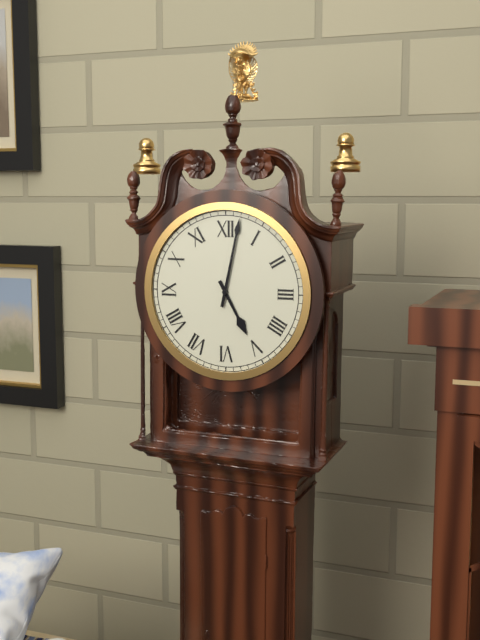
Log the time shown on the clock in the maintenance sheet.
5:02
